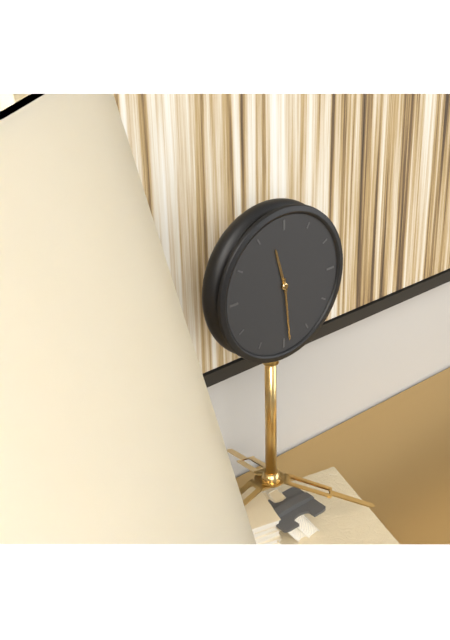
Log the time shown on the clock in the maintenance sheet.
11:29
